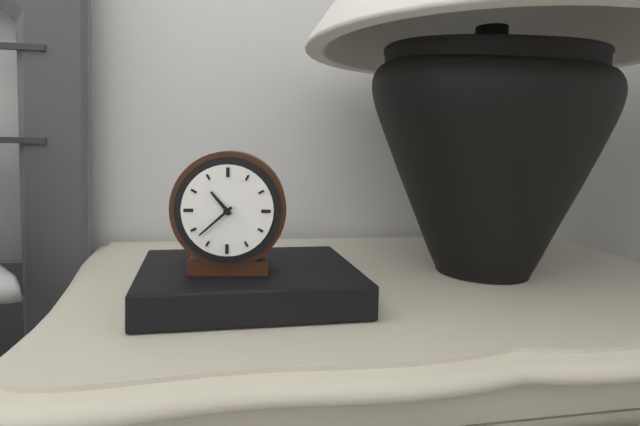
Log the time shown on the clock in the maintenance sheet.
10:38
